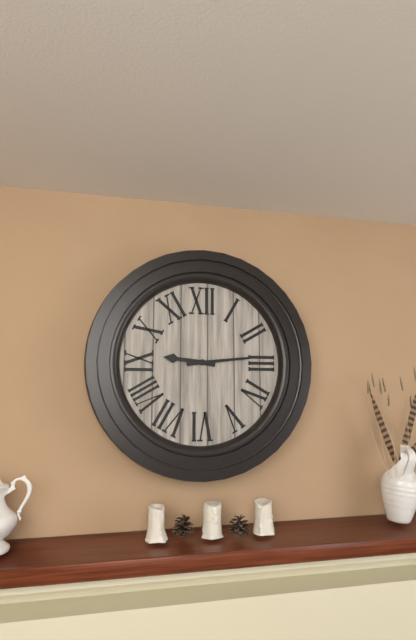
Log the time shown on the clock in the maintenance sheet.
9:14
